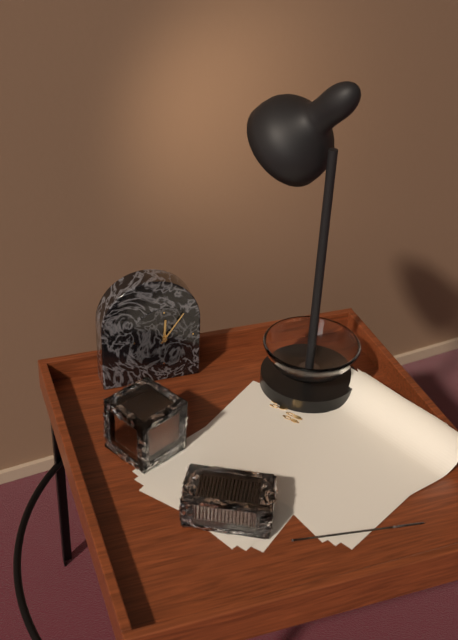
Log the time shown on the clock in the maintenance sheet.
12:06
